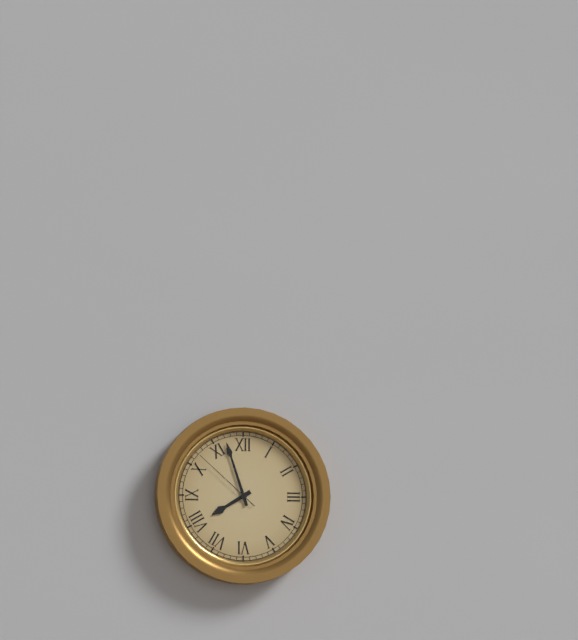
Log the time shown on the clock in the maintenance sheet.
7:57:52
